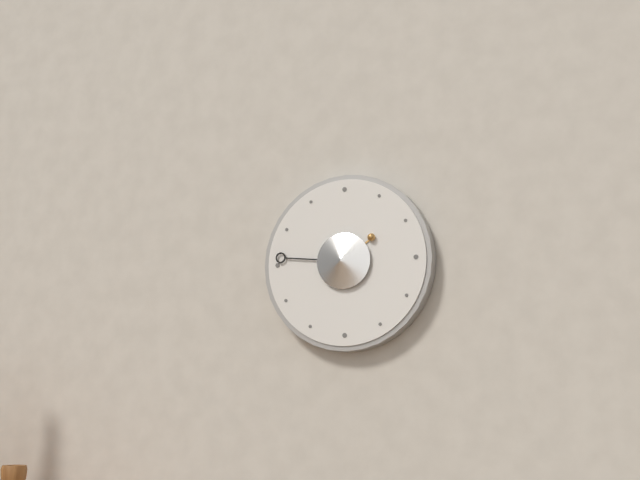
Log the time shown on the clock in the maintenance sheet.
1:46
